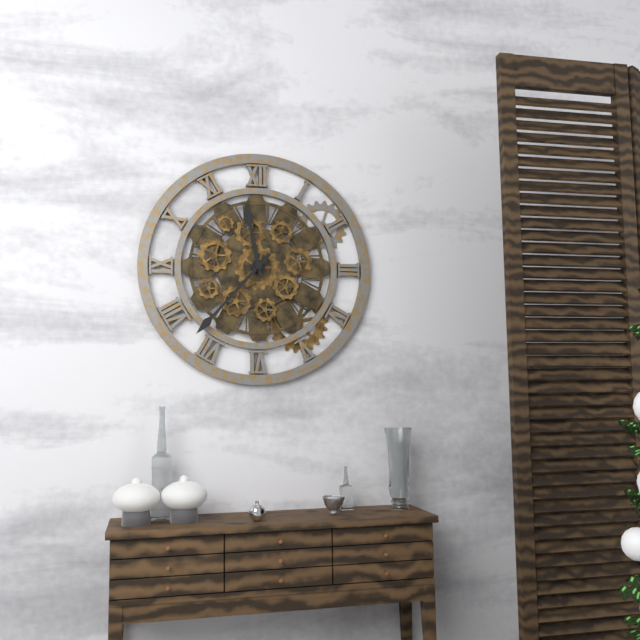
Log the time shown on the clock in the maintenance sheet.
11:37
